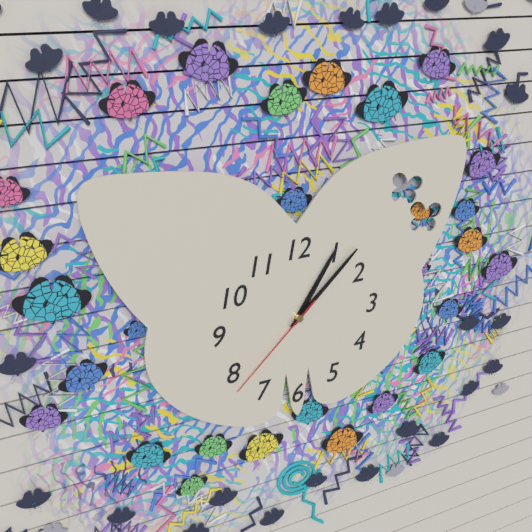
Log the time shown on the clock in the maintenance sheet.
1:08:38
